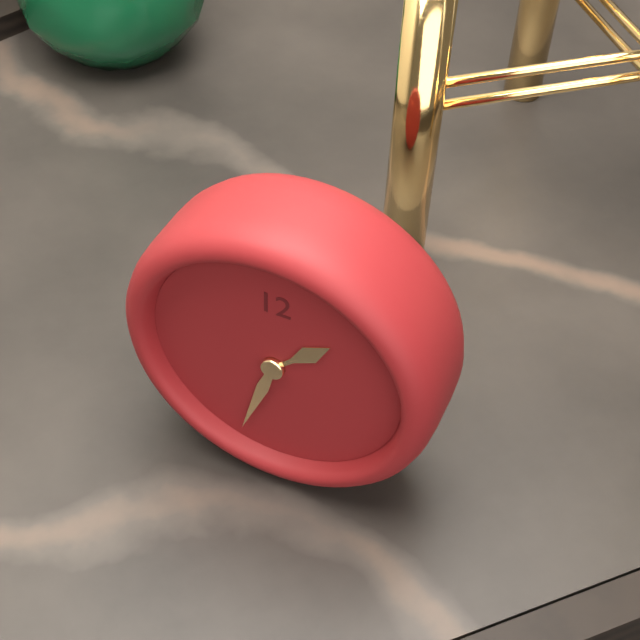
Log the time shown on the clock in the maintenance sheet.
1:33
